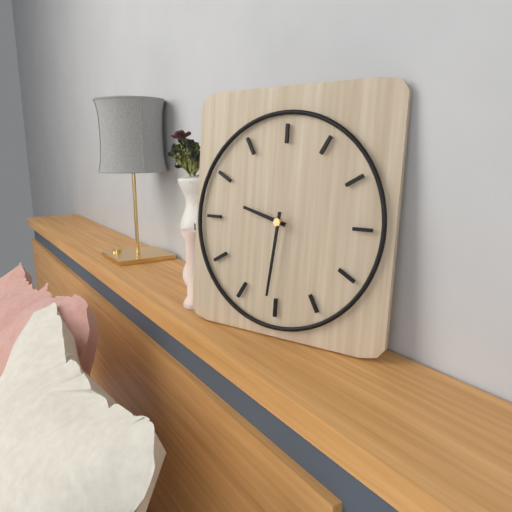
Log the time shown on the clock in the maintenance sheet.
9:31
